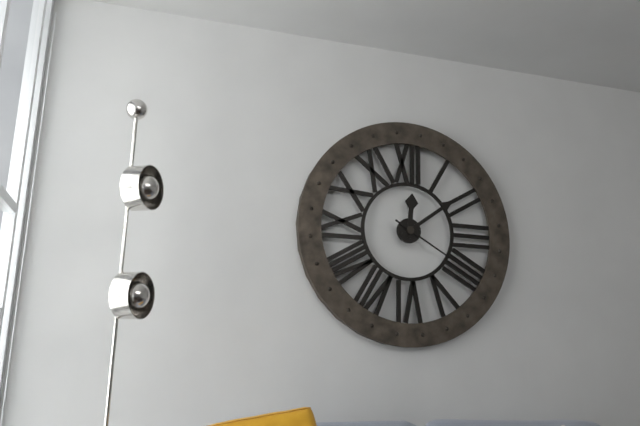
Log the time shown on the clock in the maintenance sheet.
12:09:20
